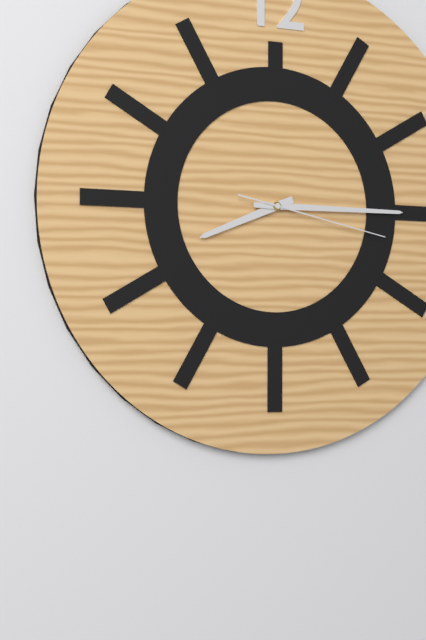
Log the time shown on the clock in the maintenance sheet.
8:15:17
